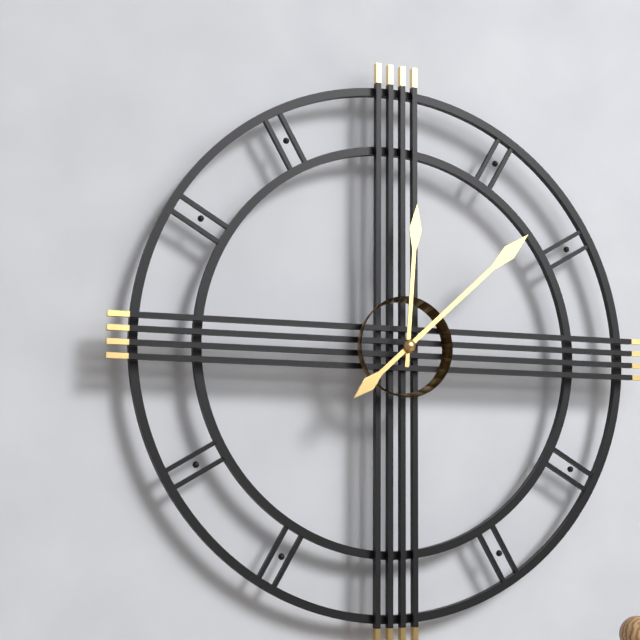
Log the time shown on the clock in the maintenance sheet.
12:08
